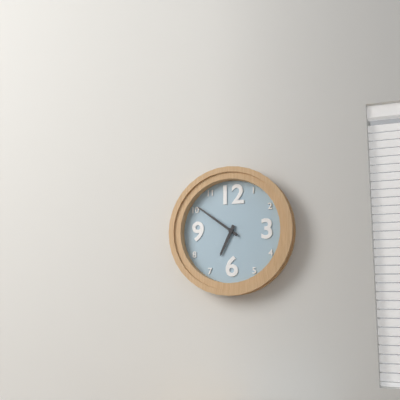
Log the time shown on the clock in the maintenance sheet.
6:51
